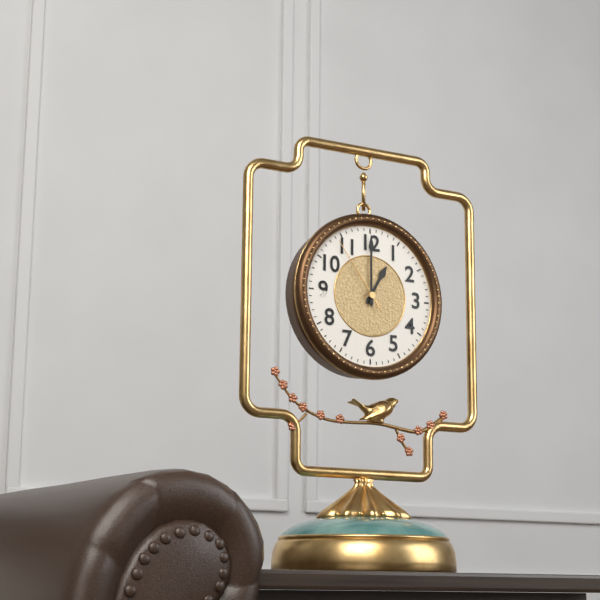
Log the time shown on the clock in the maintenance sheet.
1:00:54
